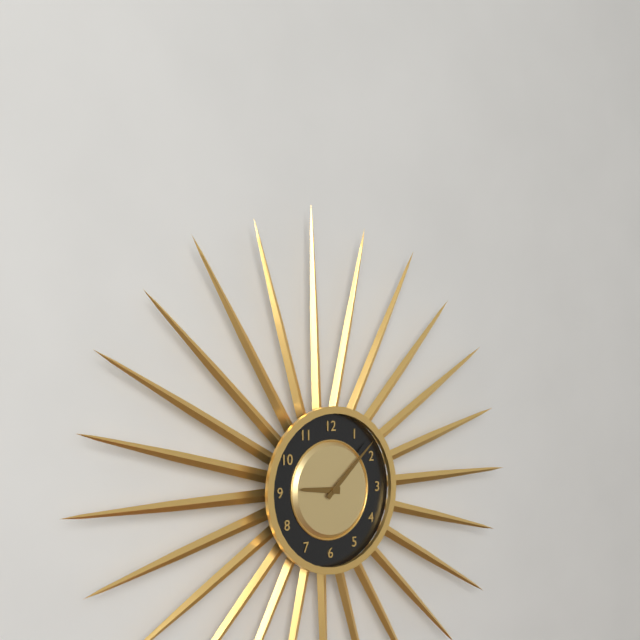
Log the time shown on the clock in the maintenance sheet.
9:08
